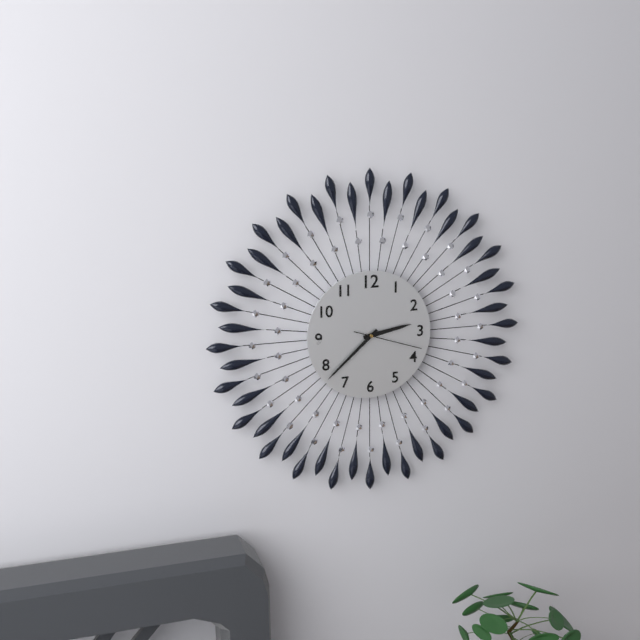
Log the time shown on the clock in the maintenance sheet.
2:38:18
